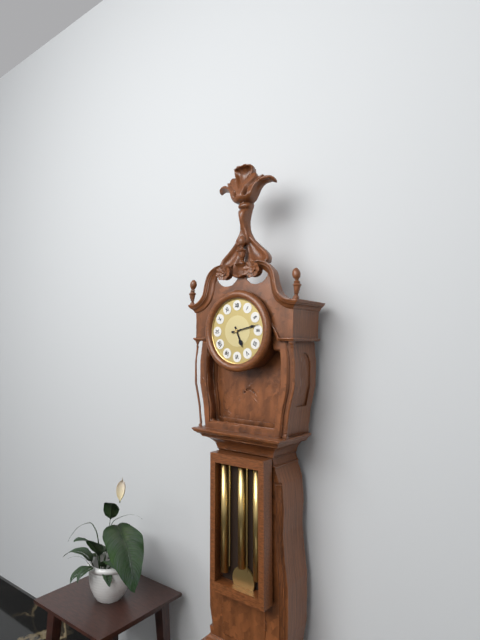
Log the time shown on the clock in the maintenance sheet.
5:13
